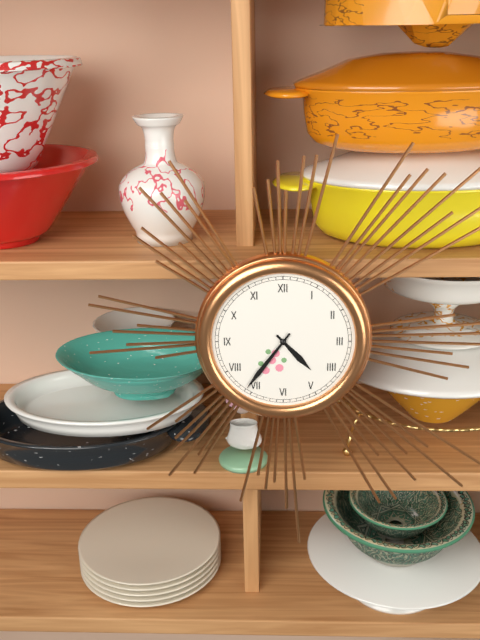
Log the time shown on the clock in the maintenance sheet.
4:36
